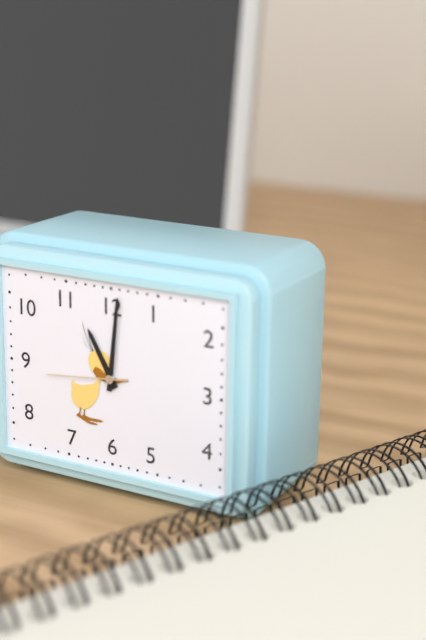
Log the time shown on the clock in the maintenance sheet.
11:01:44
